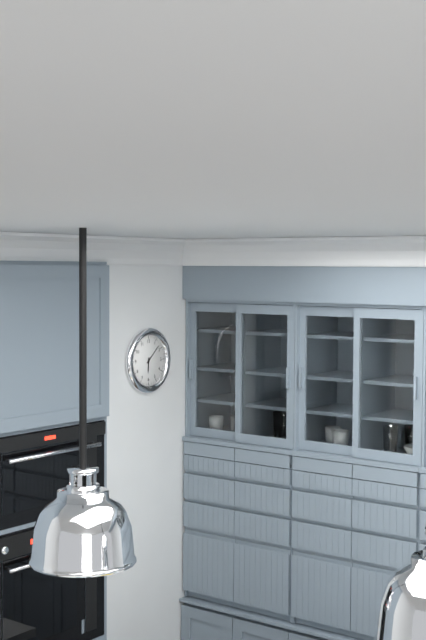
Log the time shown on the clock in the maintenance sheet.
6:08
